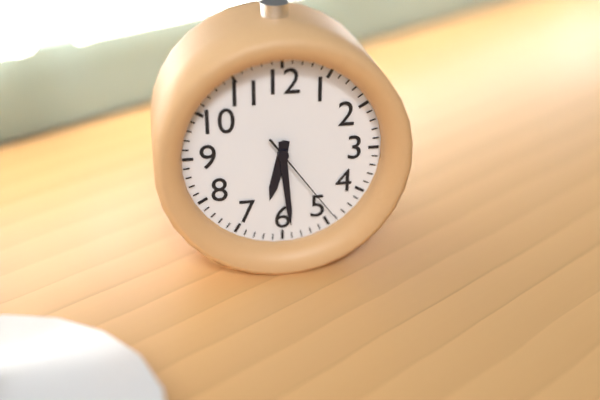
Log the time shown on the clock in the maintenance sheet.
6:29:24
